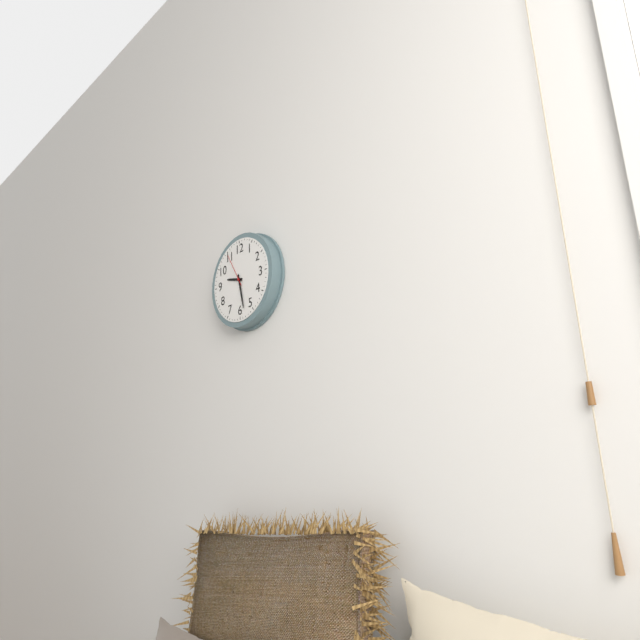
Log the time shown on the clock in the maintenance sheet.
9:28
